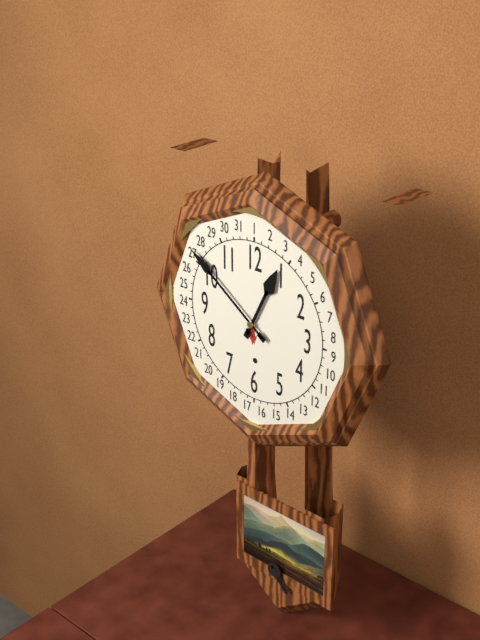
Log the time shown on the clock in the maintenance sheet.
12:51
